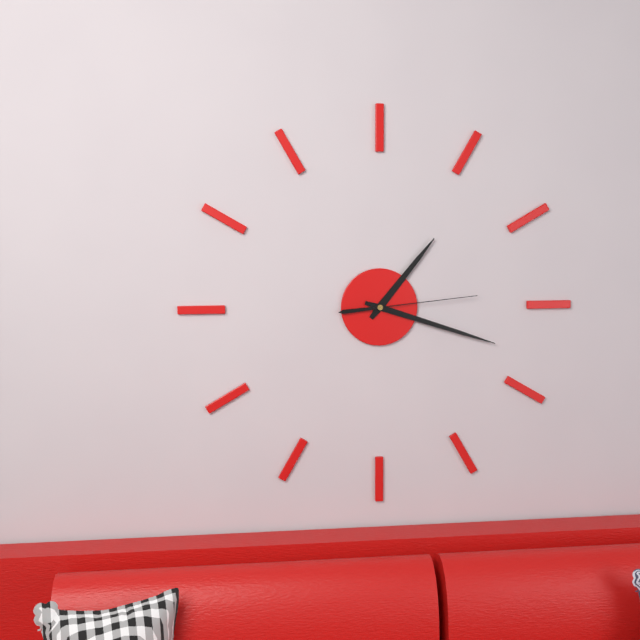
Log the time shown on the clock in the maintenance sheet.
1:18:14
